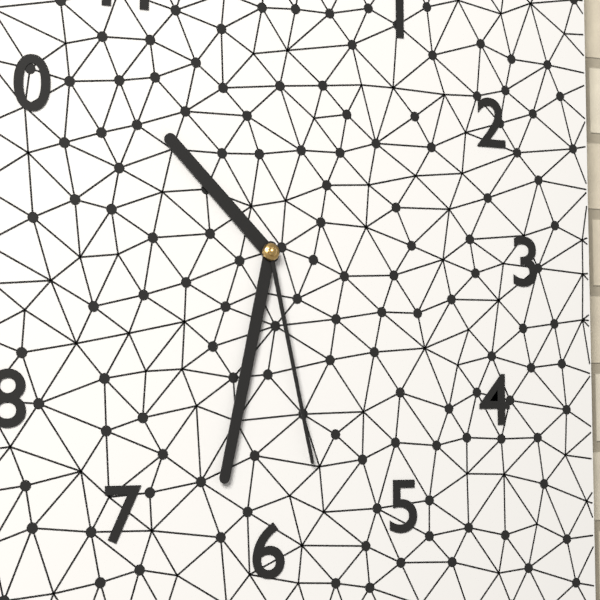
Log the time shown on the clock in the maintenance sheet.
10:32:28
